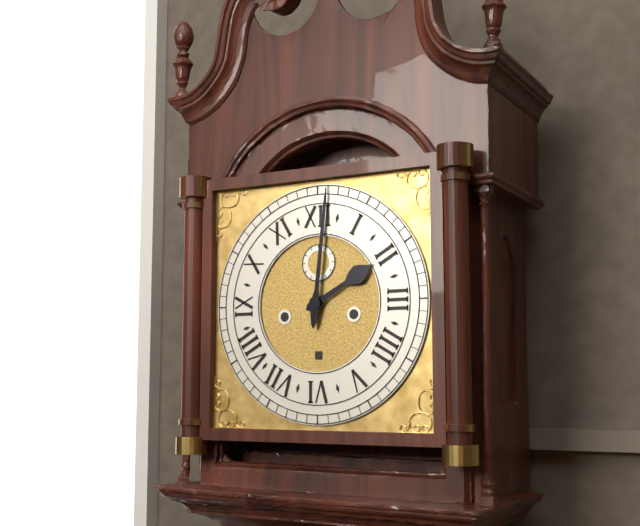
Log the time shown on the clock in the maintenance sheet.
2:01
